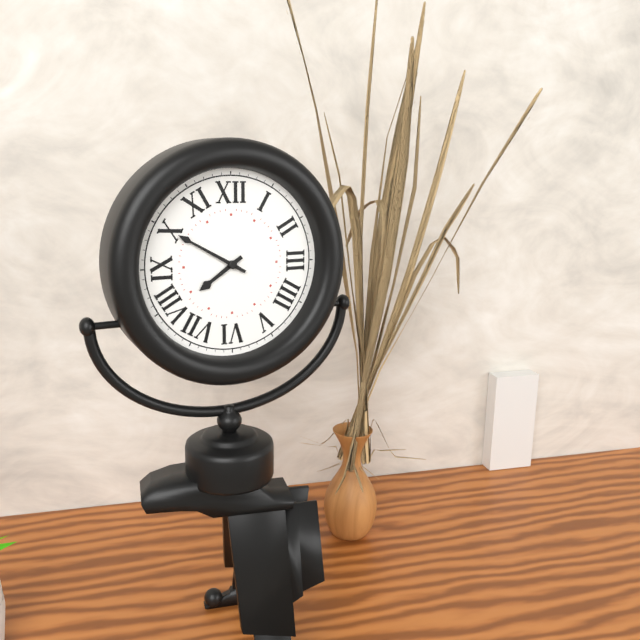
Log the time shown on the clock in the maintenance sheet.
7:50
